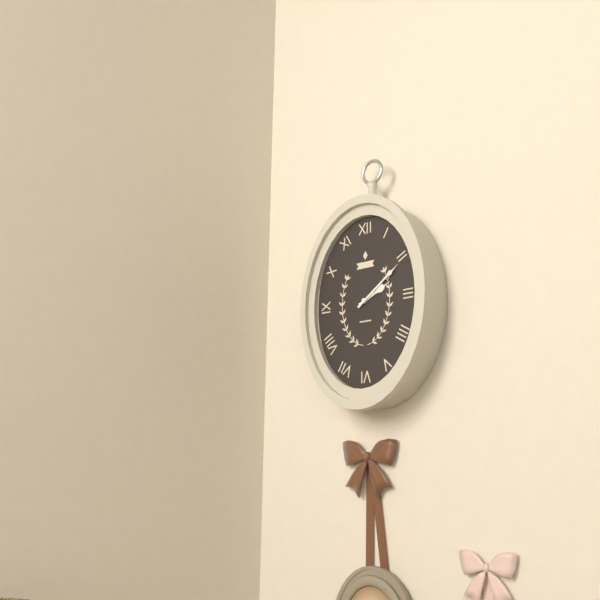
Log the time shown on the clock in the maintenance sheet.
2:09
